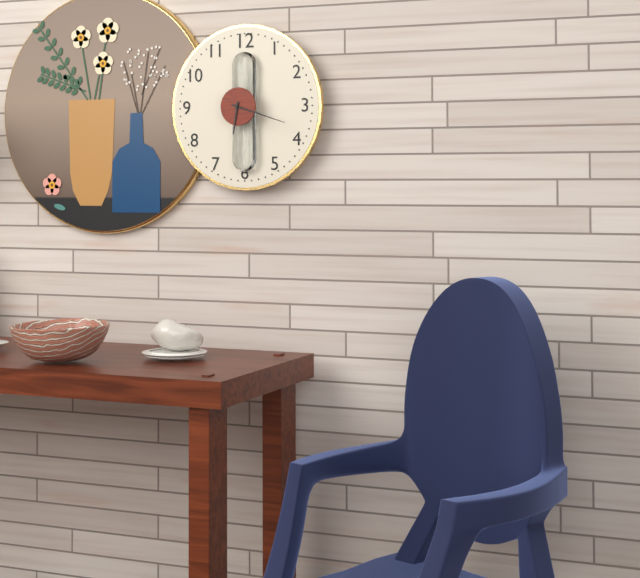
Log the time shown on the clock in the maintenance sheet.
6:18
